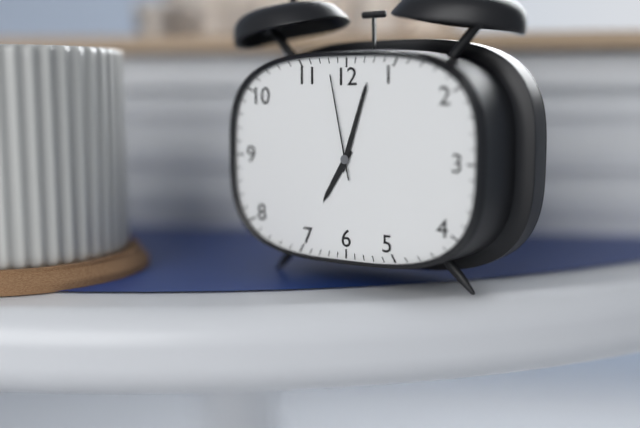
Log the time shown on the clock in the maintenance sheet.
7:03:58
